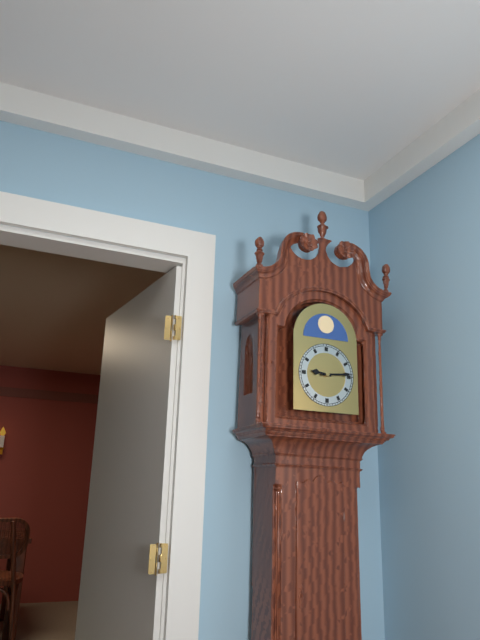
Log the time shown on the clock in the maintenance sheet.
9:14
